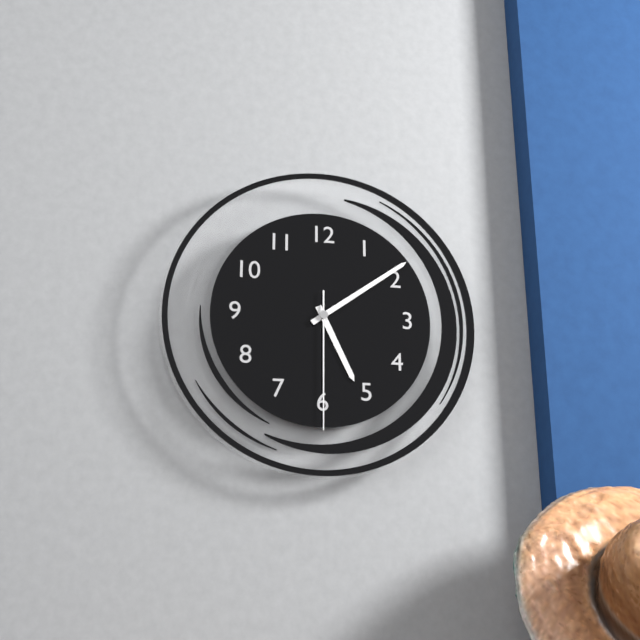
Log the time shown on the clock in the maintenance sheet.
5:09:30
